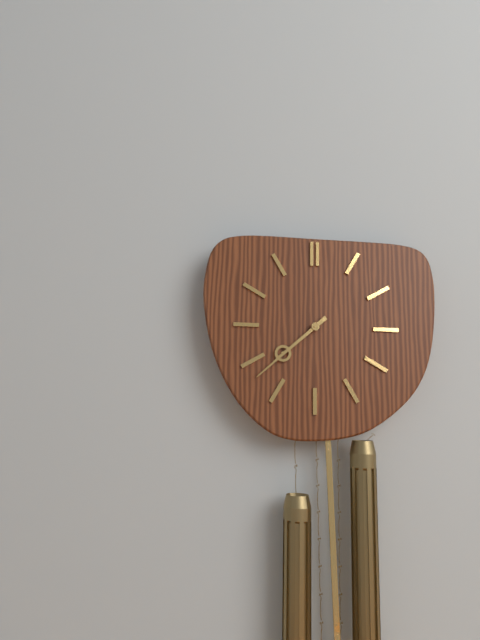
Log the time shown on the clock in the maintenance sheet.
7:38
